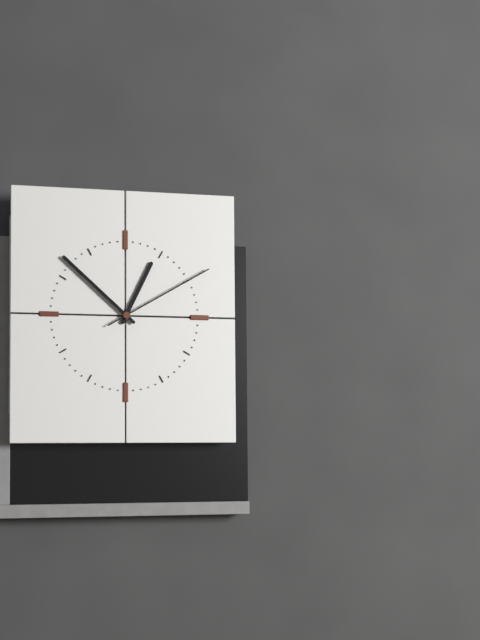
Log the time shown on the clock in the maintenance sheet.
12:52:10
